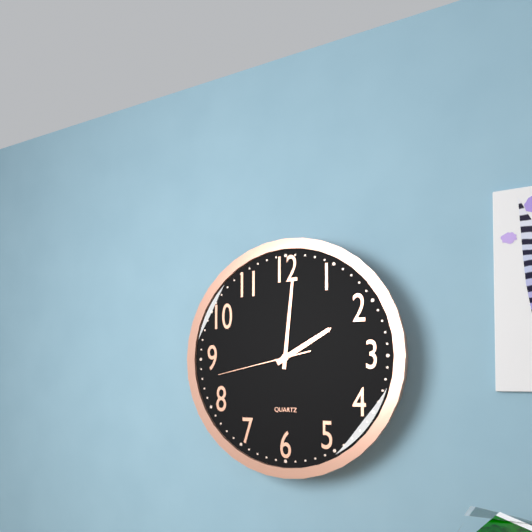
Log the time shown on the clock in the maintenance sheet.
2:01:43
